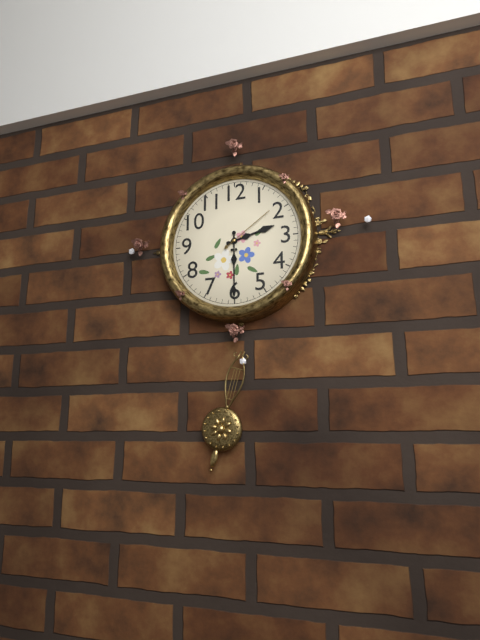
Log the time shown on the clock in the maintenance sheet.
2:30:09
